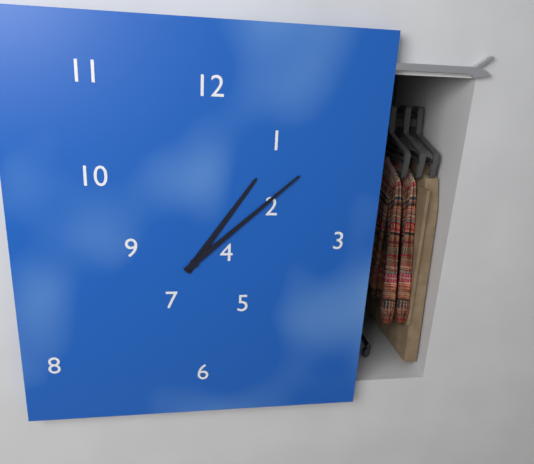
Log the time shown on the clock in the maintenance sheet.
1:08
